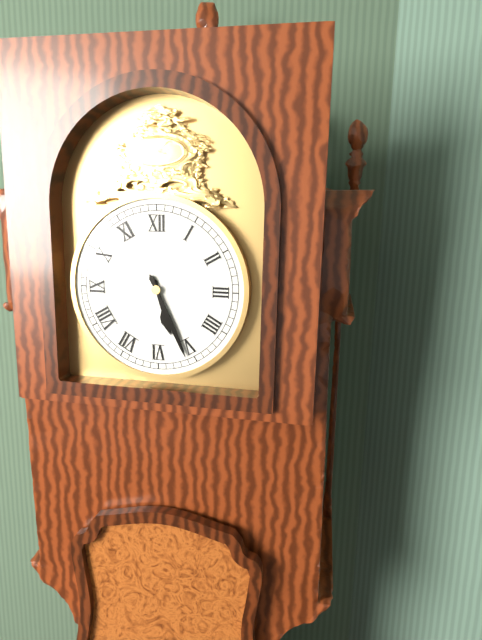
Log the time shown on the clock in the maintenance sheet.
5:26
